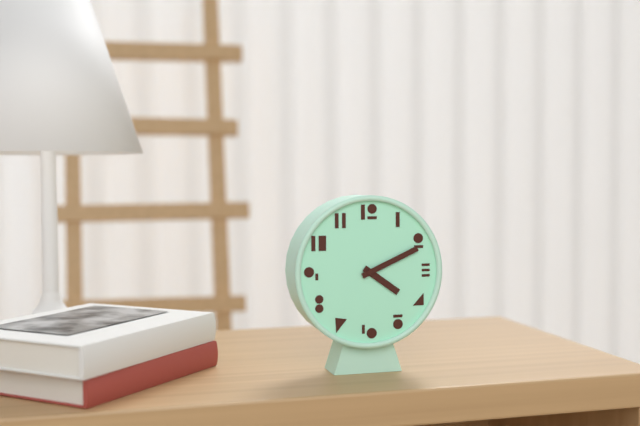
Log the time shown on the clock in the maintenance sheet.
4:11
